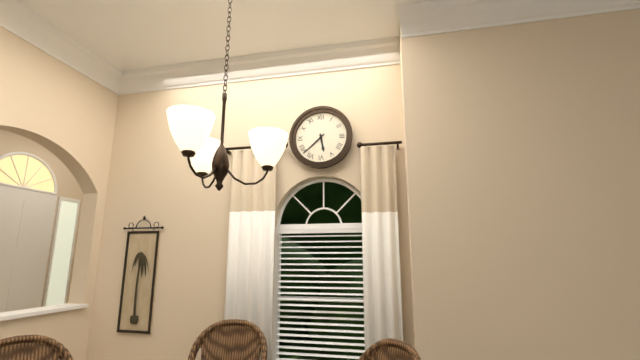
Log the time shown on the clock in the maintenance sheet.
5:38
